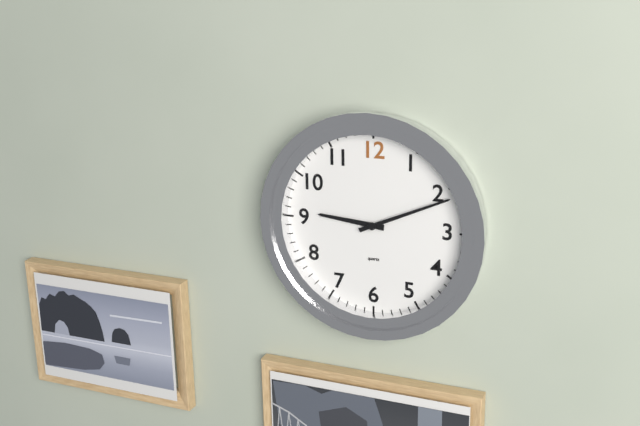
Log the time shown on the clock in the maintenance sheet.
9:11
